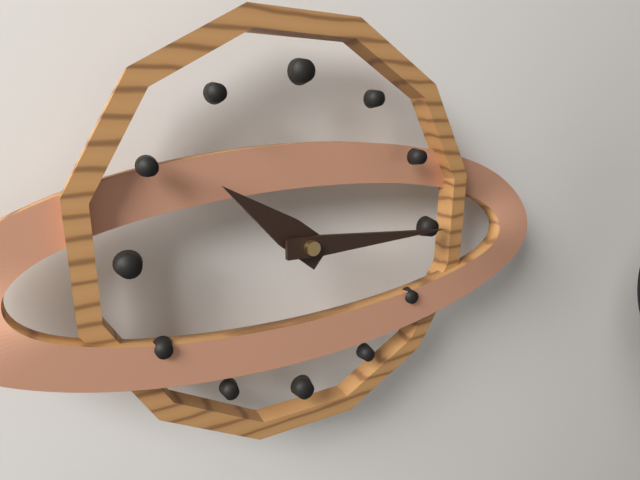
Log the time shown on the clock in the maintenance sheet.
10:15
